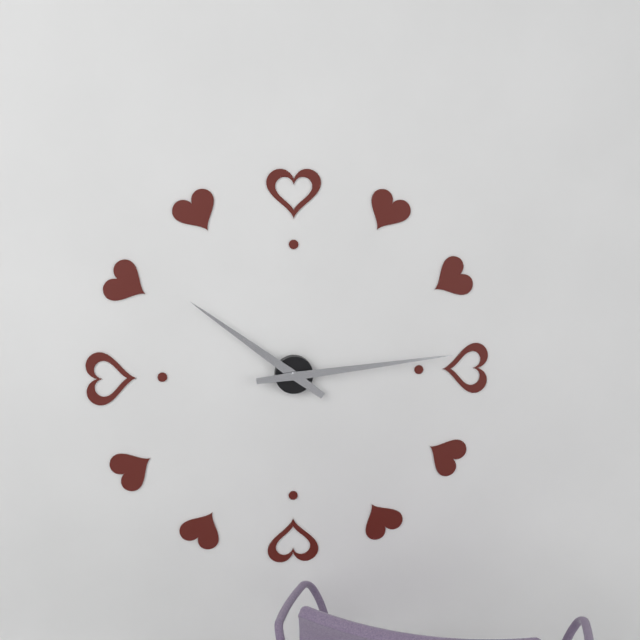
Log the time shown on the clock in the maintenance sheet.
10:14
